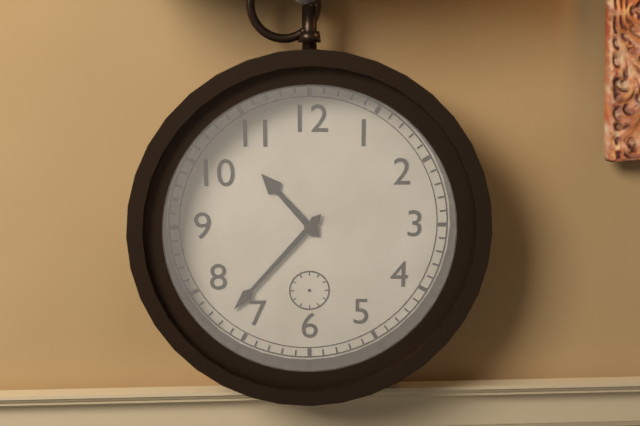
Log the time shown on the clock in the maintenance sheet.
10:37
